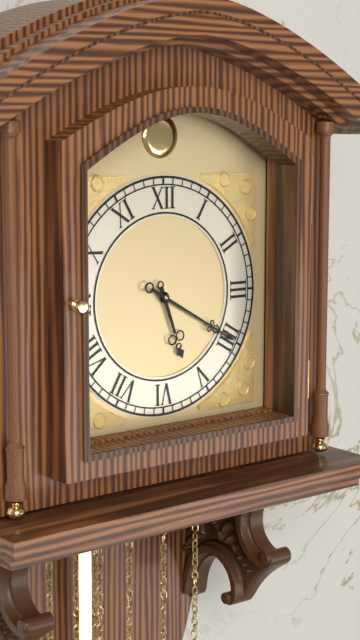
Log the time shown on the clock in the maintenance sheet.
5:20
